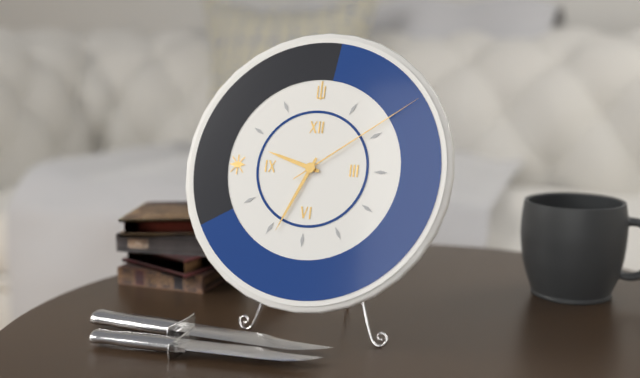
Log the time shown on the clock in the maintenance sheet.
9:34:09
